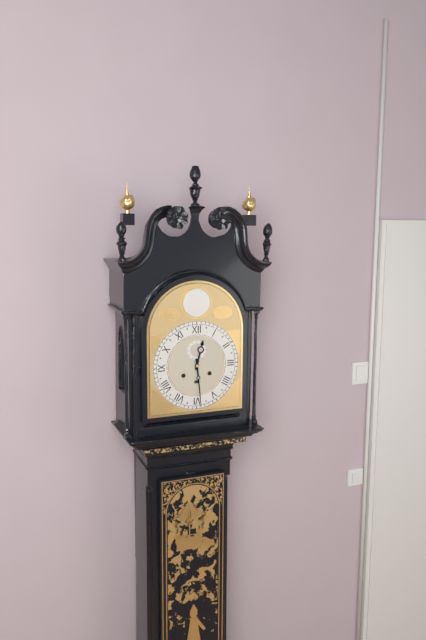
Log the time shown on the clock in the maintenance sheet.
12:29
